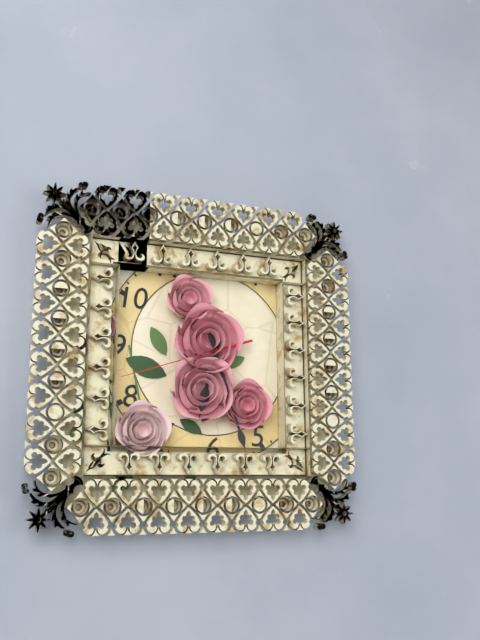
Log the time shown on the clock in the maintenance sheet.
6:27:42
